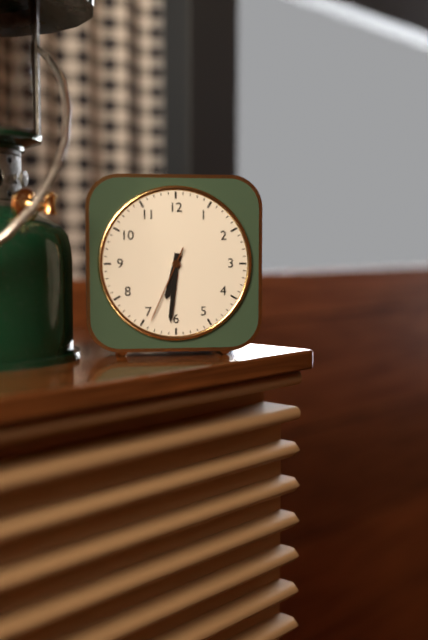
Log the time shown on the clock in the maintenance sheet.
6:31:34
